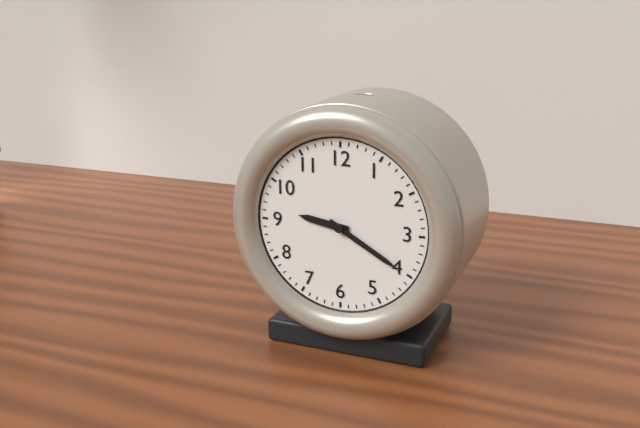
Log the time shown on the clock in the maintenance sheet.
9:20
